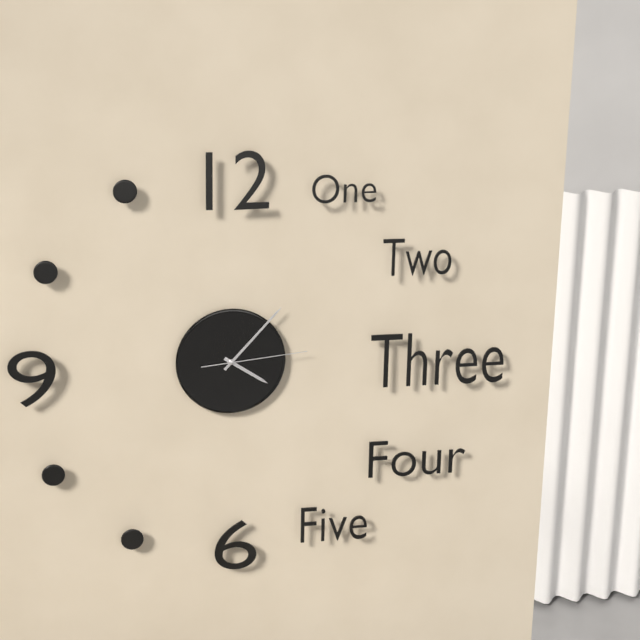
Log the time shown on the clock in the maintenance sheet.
4:07:14
